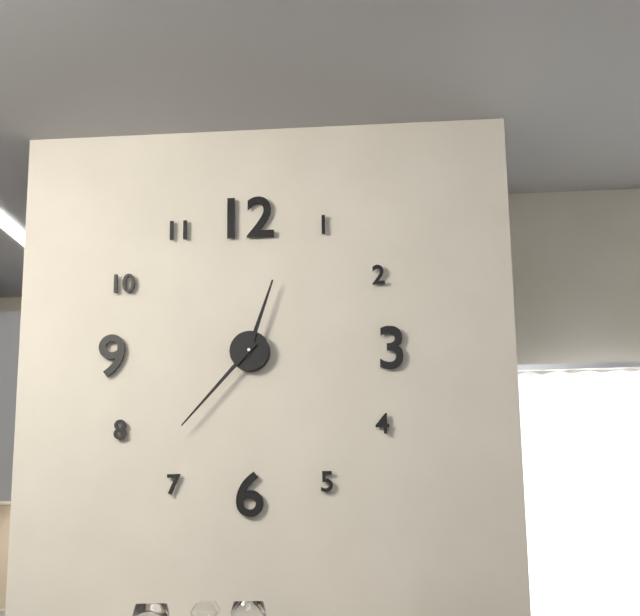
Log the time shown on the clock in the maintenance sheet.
12:37
